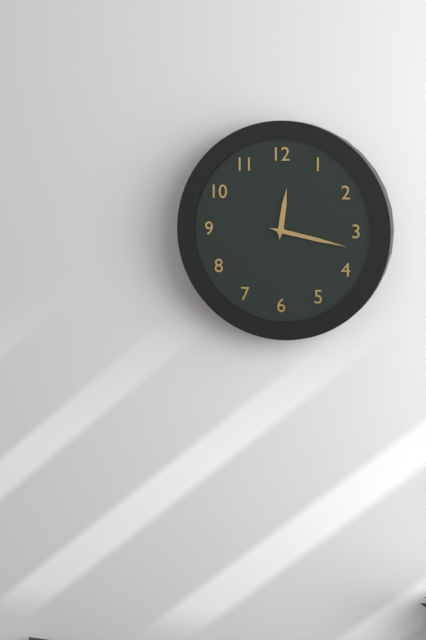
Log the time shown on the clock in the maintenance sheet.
12:17
